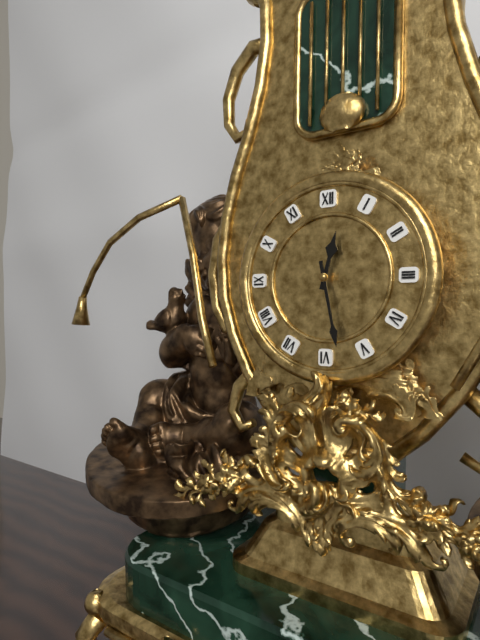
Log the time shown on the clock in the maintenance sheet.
12:28
